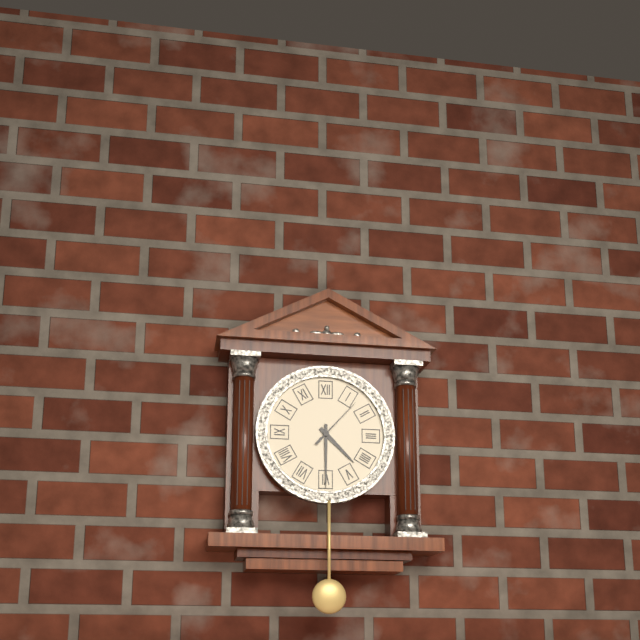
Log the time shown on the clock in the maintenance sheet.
4:30:07
